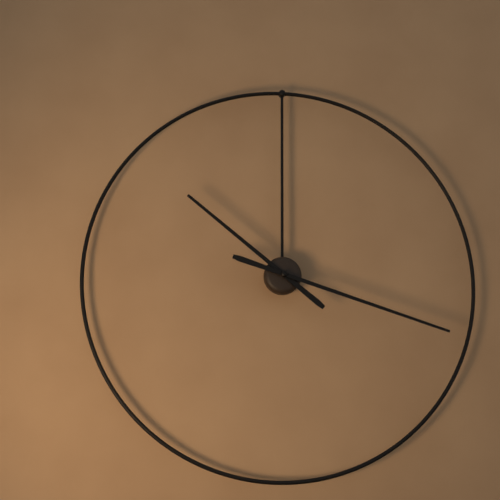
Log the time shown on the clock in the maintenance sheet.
10:18
